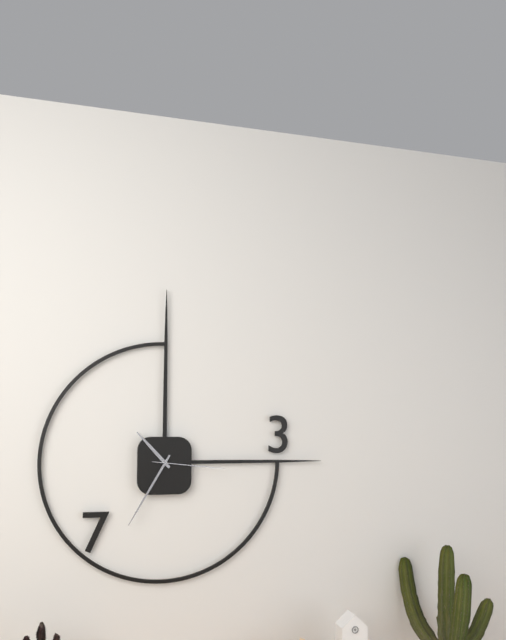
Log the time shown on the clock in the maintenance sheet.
10:35:16
